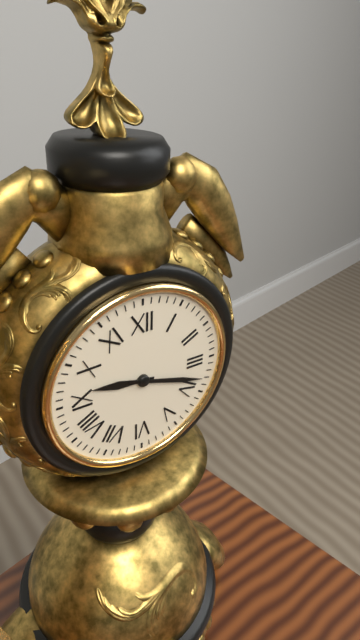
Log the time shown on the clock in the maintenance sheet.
9:18
